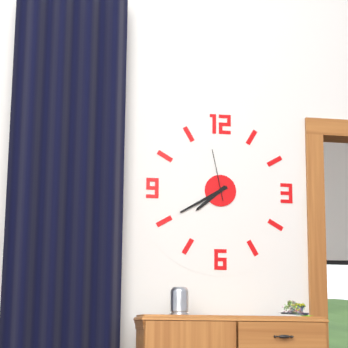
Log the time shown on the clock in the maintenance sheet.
7:40:58
